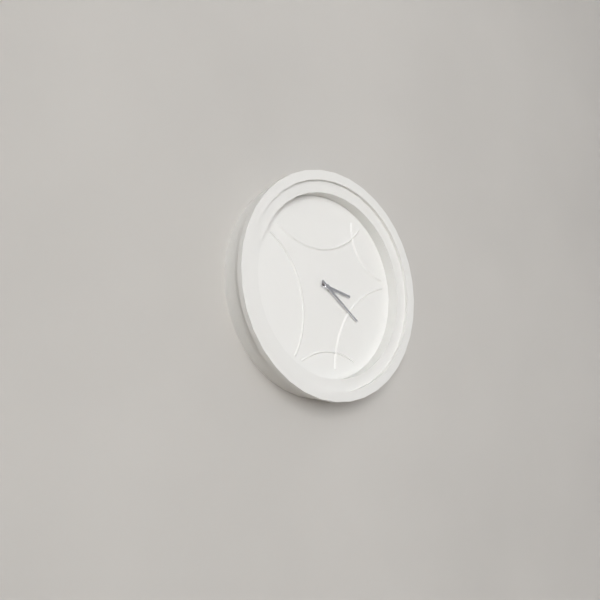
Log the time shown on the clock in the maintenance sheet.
3:21
